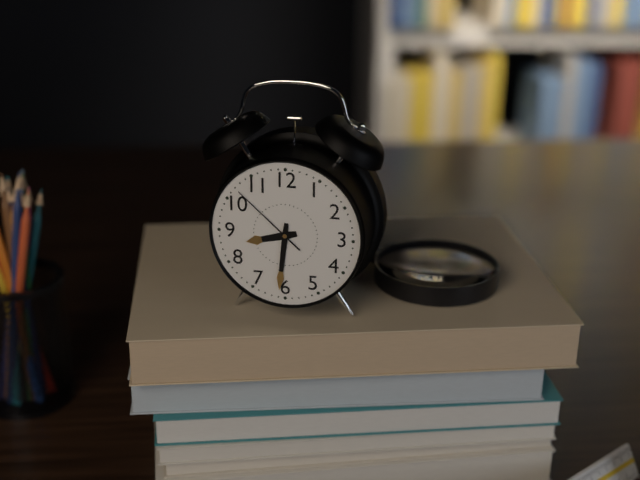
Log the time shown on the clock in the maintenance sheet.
8:31:52
